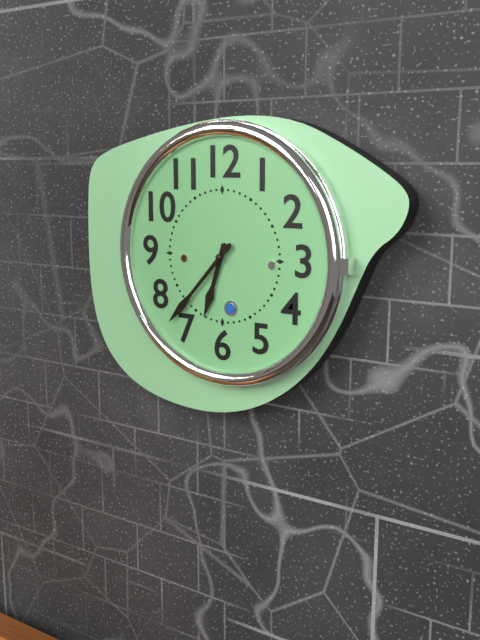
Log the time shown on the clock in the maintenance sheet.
6:37
